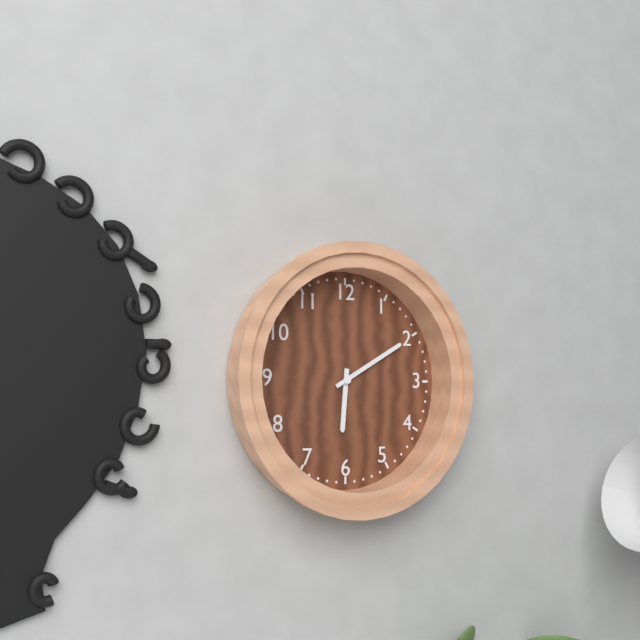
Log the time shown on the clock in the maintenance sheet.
6:10
